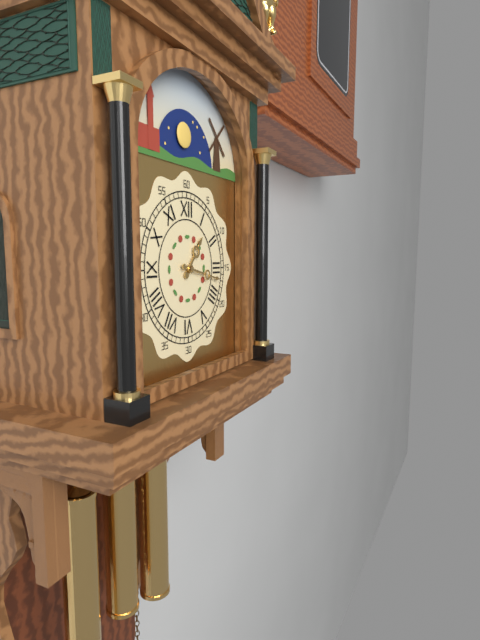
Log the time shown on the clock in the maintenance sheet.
1:17
